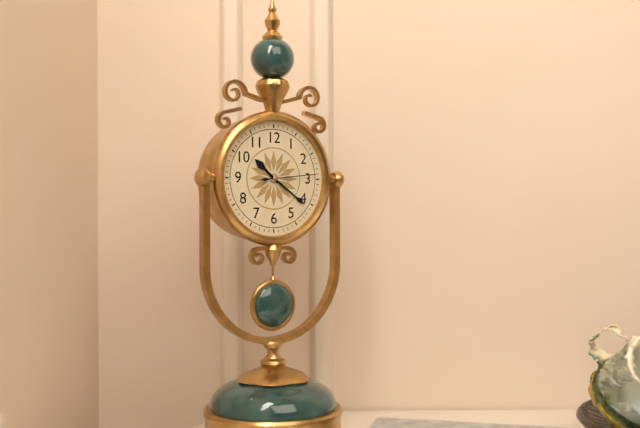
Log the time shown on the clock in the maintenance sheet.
10:21:14
